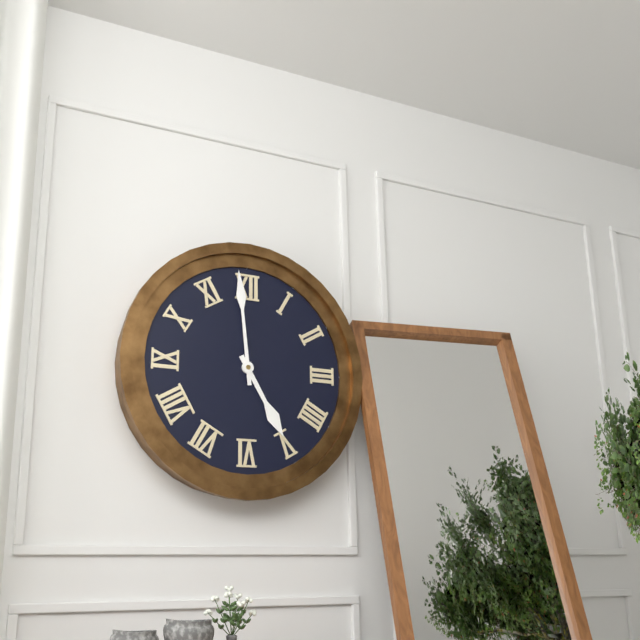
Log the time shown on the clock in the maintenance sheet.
4:59
